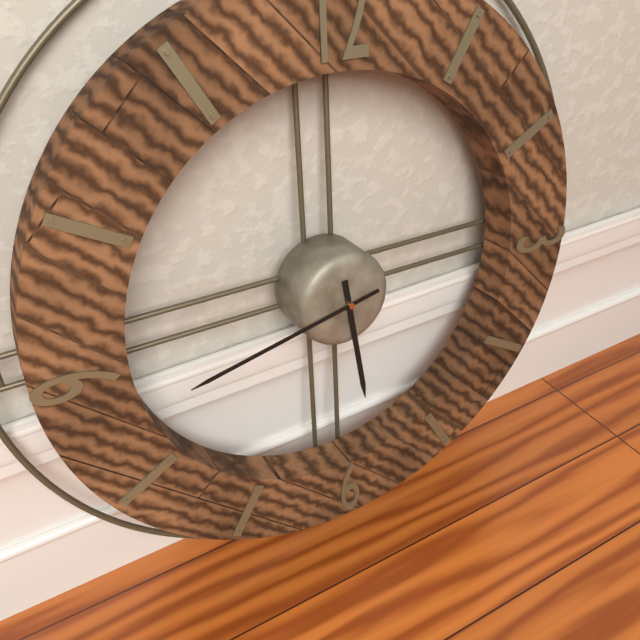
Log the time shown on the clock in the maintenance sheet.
5:43
